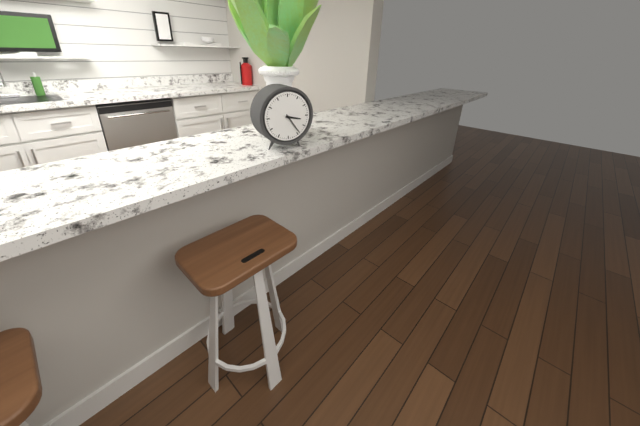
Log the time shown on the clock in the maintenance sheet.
3:24
